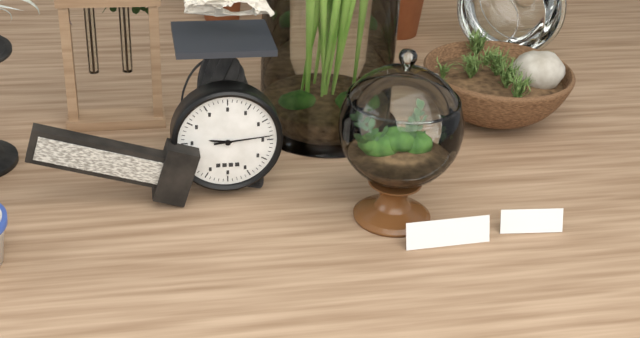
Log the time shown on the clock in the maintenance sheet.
9:14
